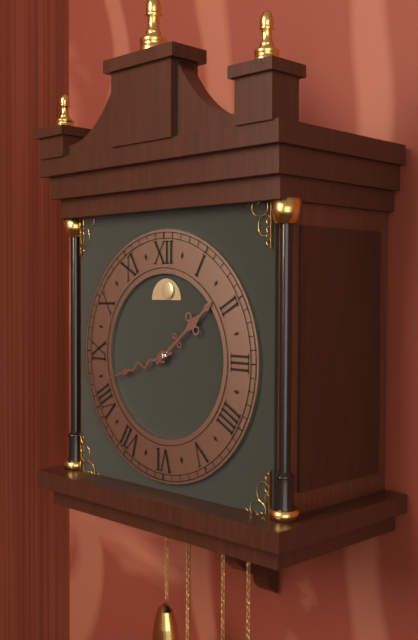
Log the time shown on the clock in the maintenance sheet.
1:42
